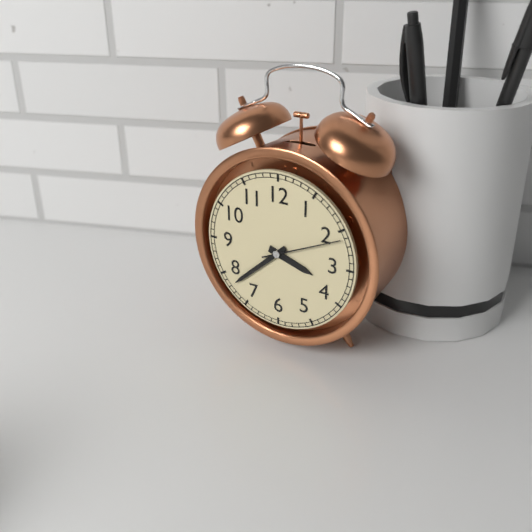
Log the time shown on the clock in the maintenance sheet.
3:38:11
